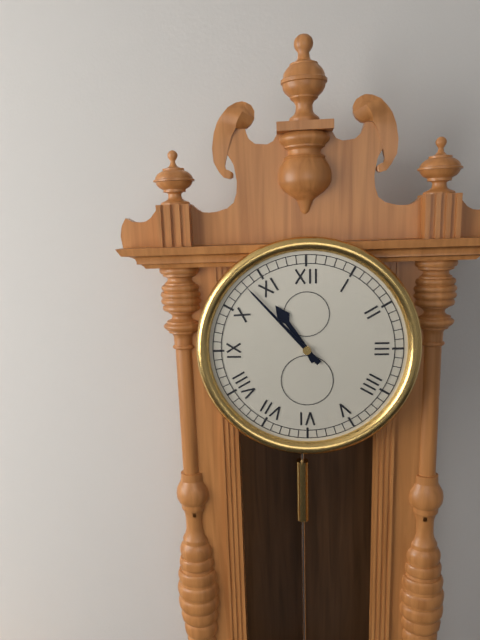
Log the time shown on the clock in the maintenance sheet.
10:53
